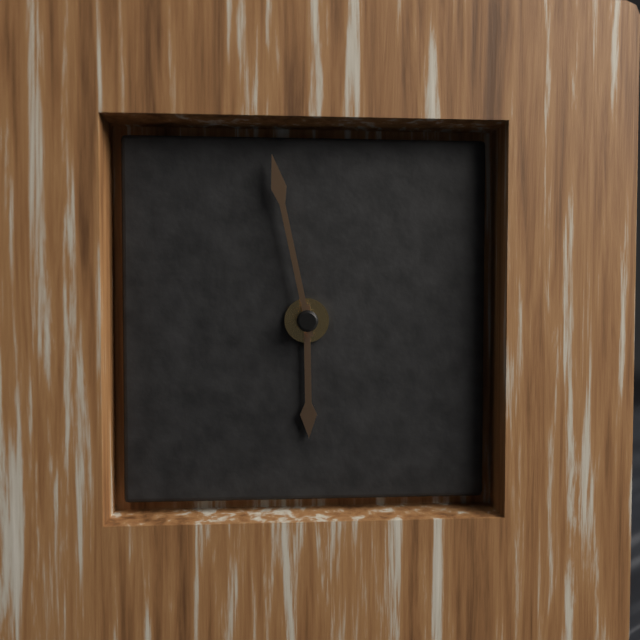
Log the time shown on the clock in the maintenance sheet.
5:58
